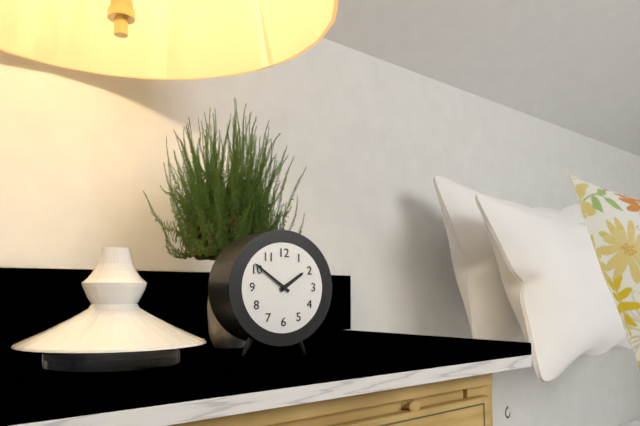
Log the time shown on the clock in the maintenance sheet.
1:51
